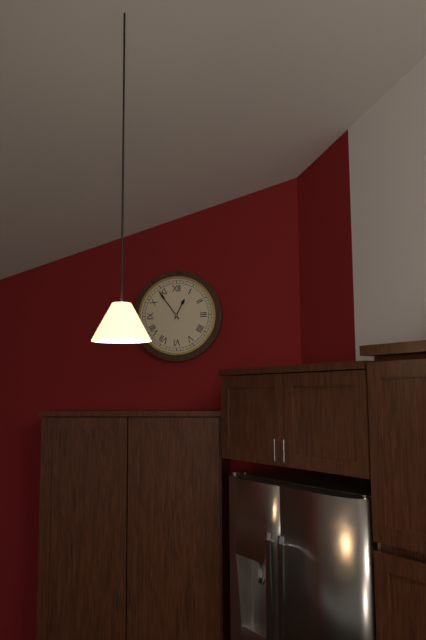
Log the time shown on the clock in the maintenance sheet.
12:54
